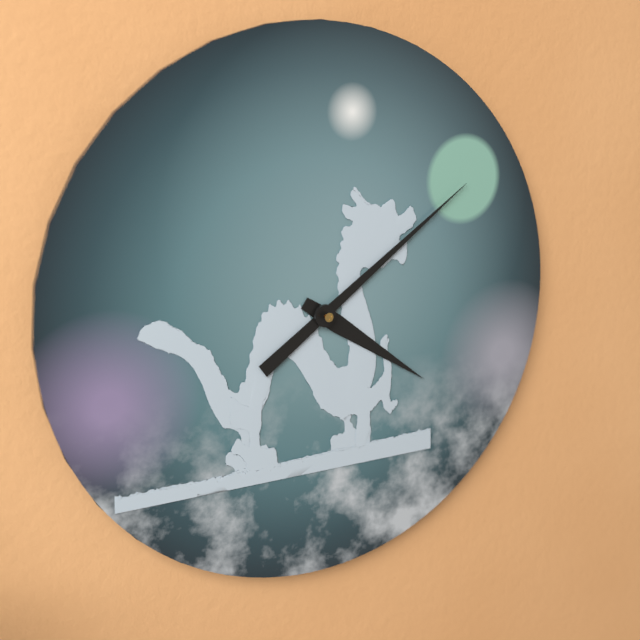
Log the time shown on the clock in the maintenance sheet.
4:09
